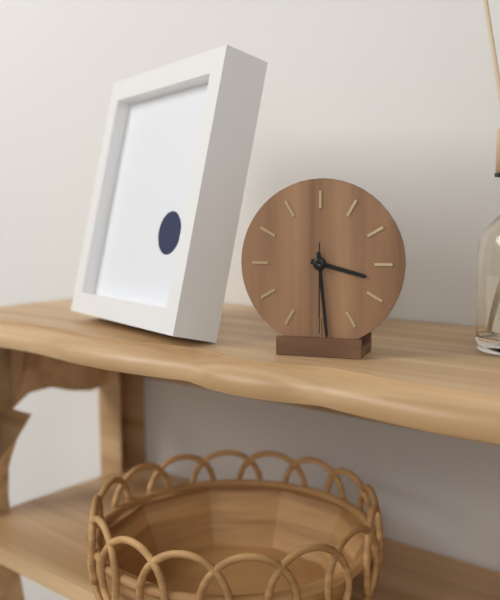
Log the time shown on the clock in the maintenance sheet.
3:29:30
